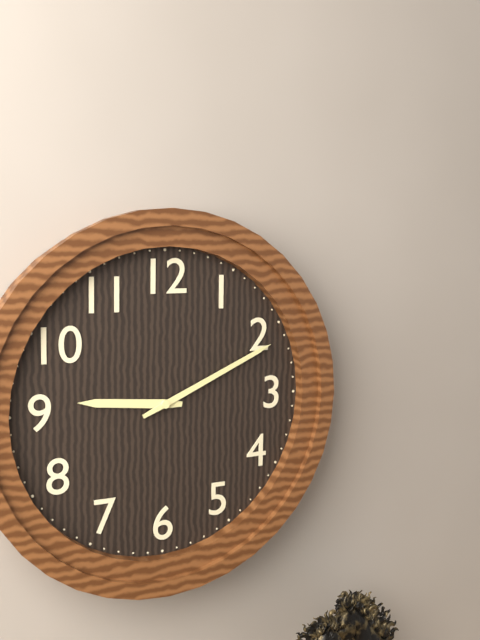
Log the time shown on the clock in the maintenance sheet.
9:11
